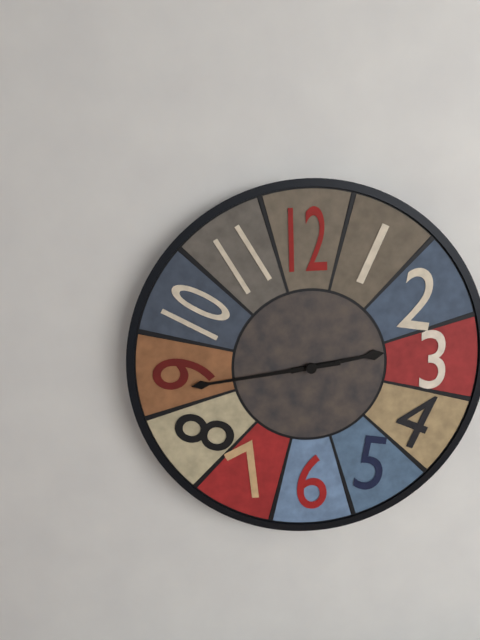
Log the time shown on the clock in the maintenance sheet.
2:44
